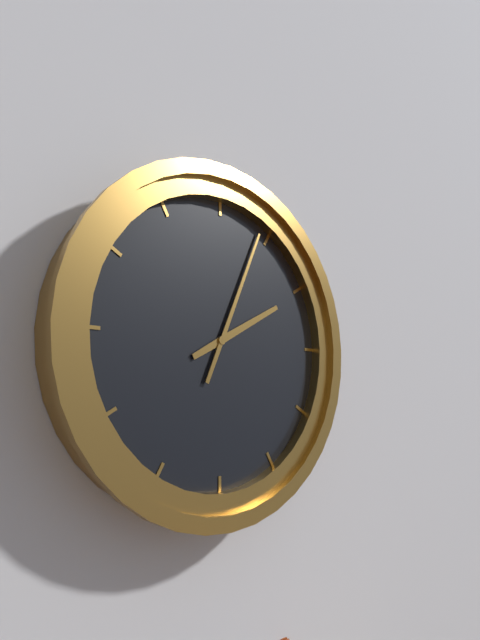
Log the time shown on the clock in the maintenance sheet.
2:04
